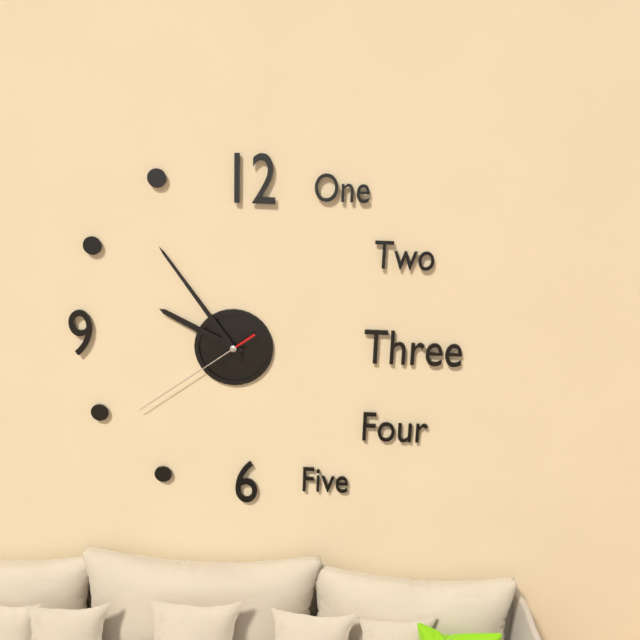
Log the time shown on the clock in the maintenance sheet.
9:54:39
